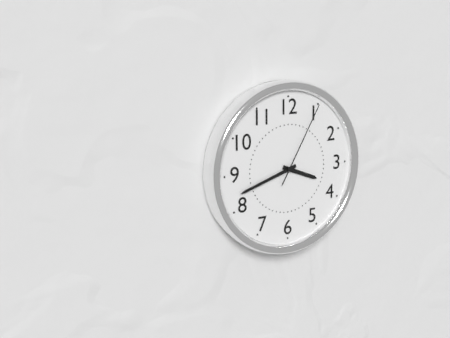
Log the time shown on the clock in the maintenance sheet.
3:42:05
